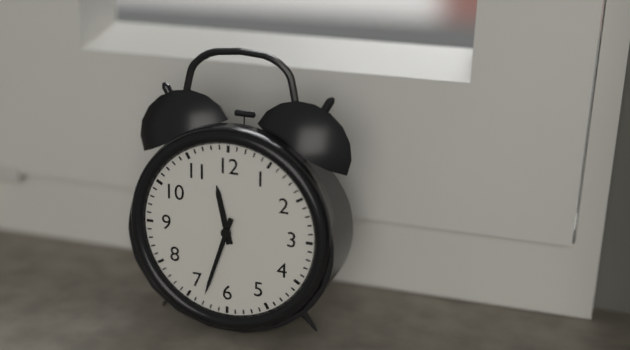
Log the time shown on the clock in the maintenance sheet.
11:33
